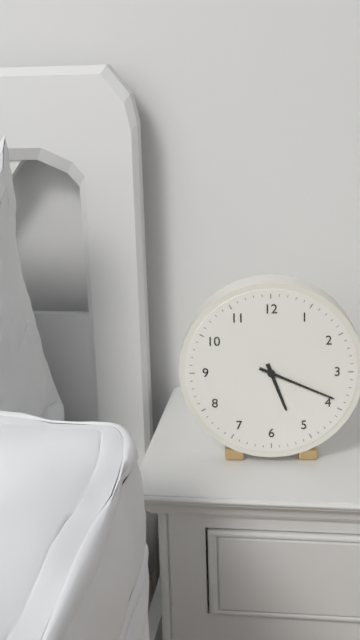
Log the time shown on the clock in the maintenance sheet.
5:19
